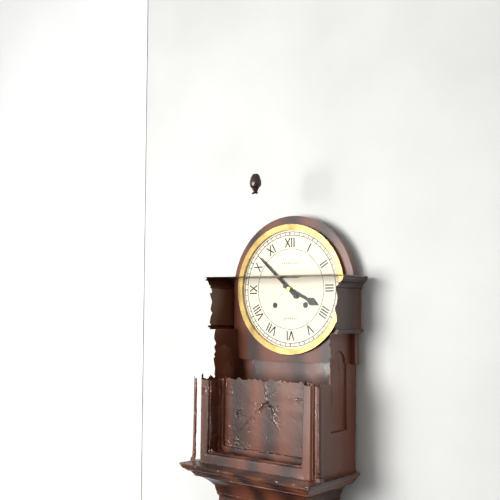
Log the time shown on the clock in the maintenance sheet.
3:52
